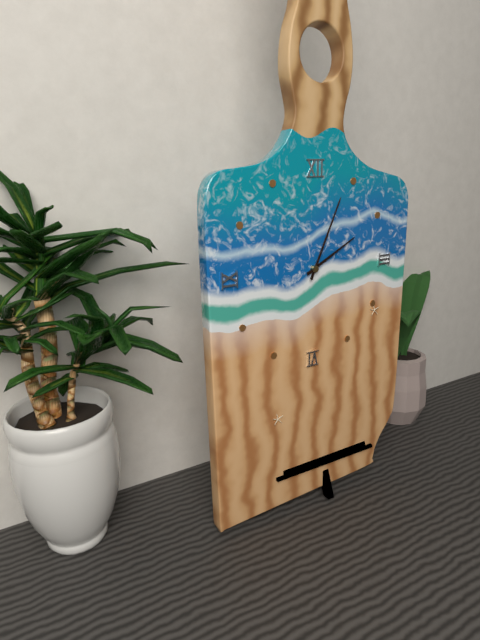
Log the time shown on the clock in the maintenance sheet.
2:04
